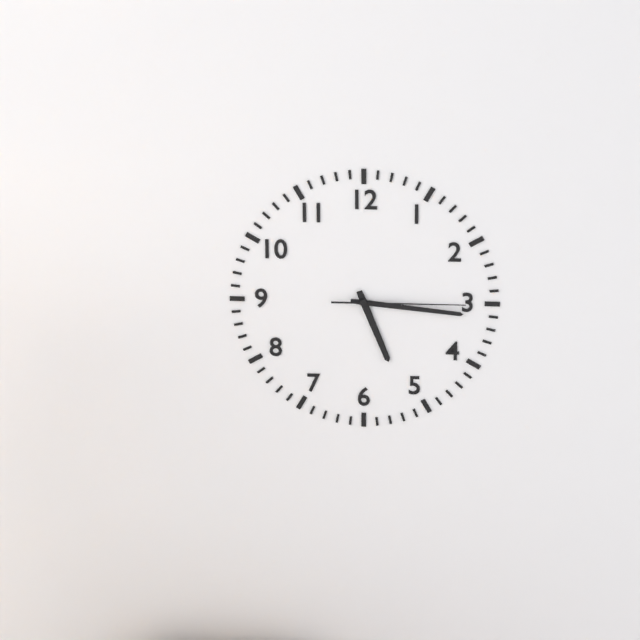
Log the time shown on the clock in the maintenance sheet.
5:16:15
